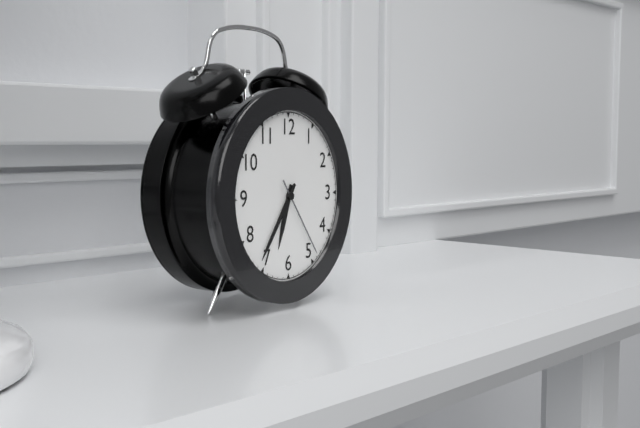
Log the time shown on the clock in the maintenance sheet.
6:36:24
